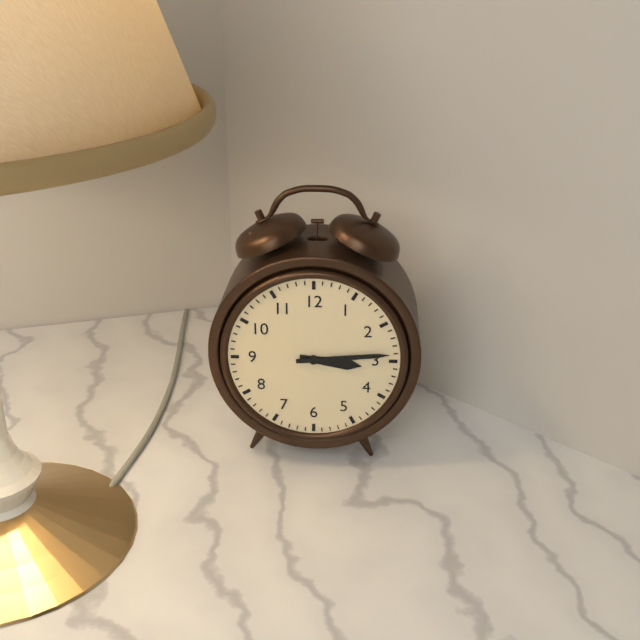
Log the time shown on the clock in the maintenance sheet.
3:14
